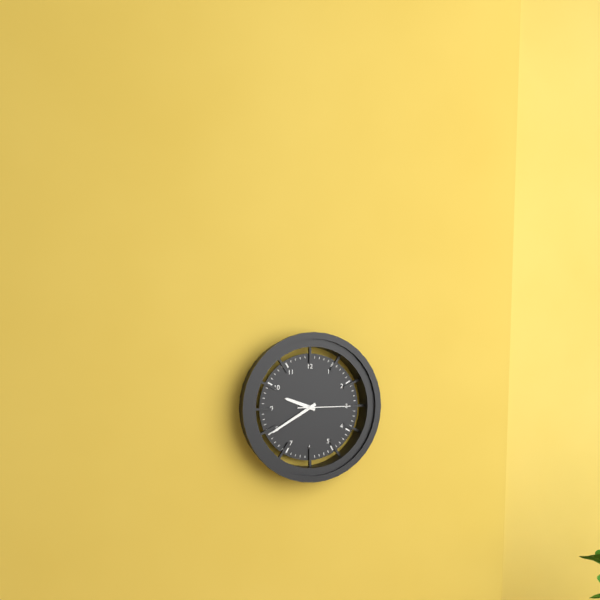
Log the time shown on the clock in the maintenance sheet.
9:40:15
